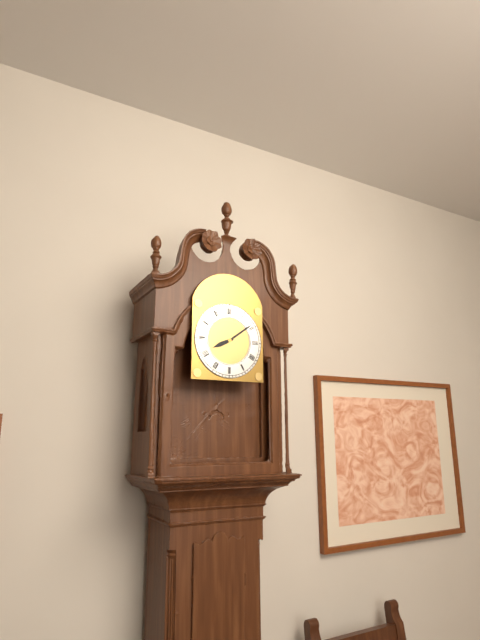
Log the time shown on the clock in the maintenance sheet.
8:09
